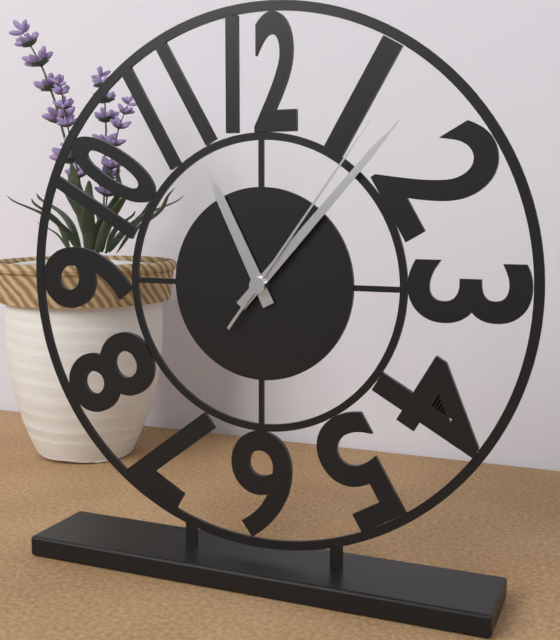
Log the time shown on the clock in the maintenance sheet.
11:07:06
